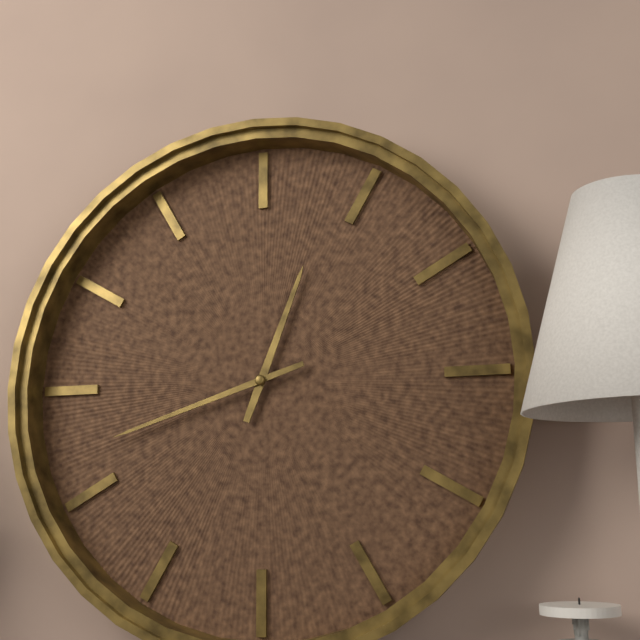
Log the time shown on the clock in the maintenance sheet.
12:42
